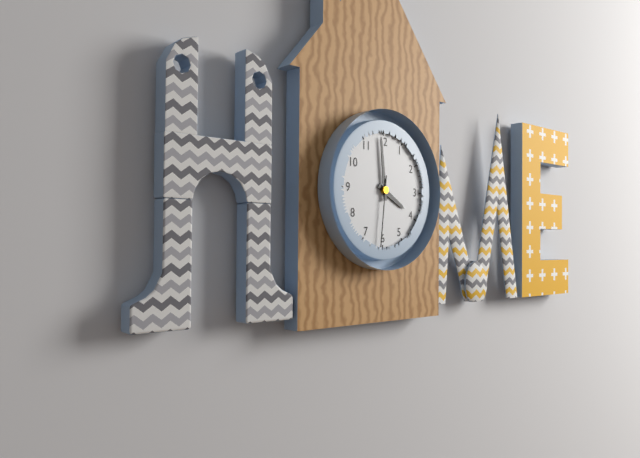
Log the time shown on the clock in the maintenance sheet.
3:59:31
